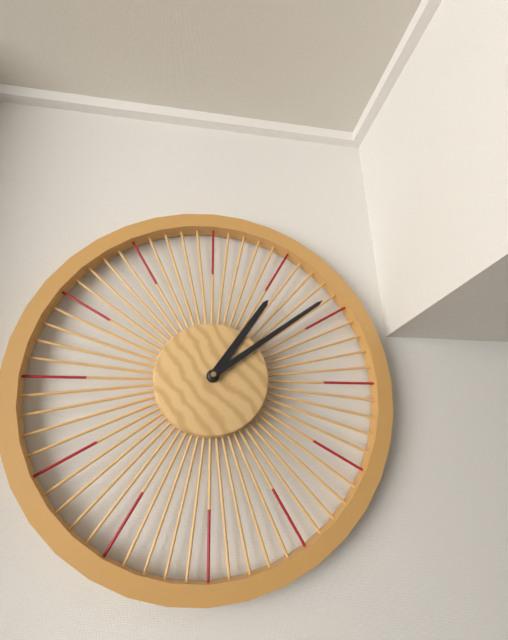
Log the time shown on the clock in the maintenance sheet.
1:09
